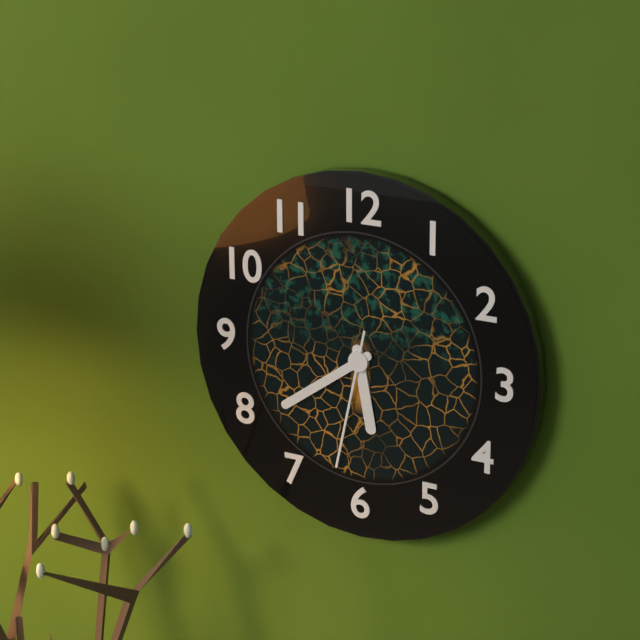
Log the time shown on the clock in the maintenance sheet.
5:39:32
